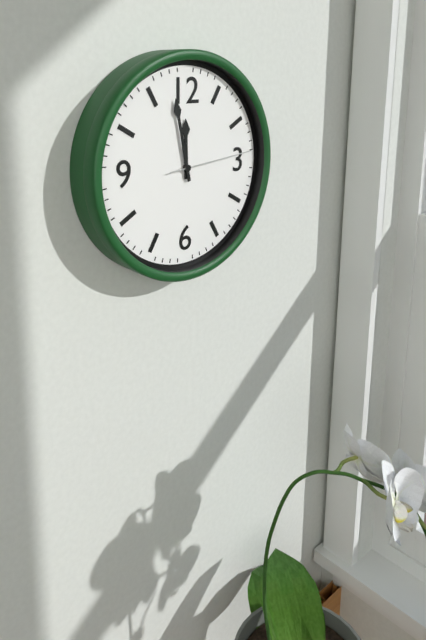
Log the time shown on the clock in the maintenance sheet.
11:58:14
